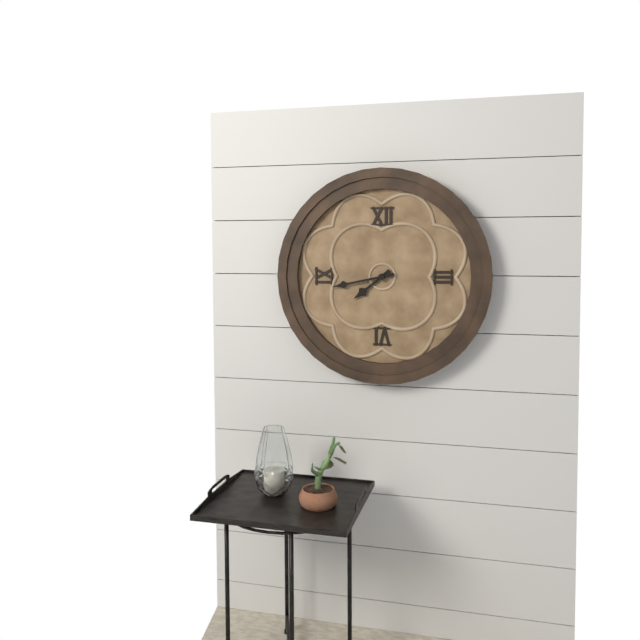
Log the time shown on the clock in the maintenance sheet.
7:43
